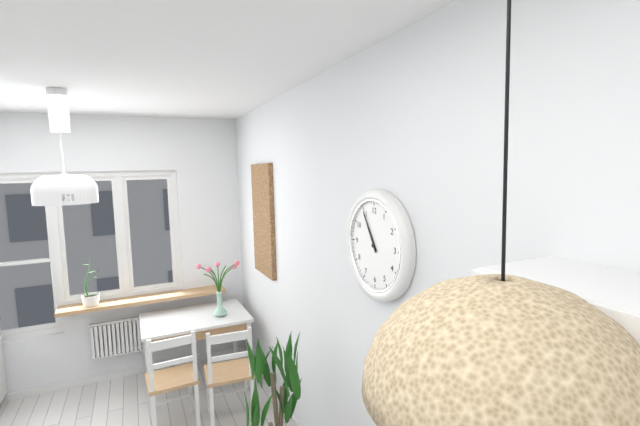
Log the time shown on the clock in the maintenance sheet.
10:55
